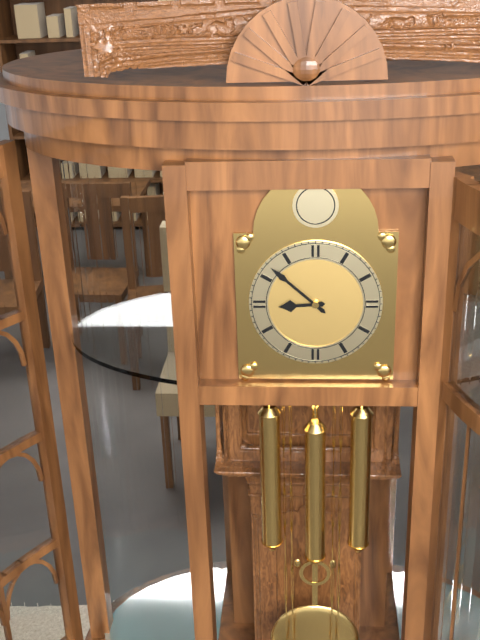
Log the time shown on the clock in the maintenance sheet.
8:52
